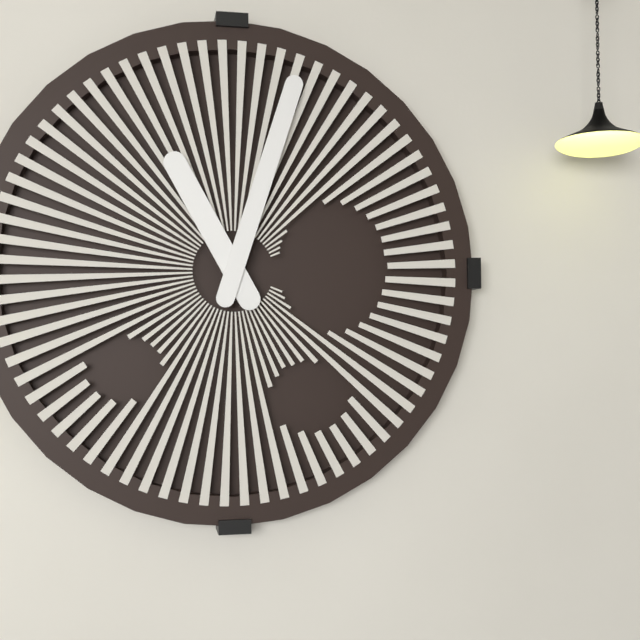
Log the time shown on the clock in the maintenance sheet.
11:03
